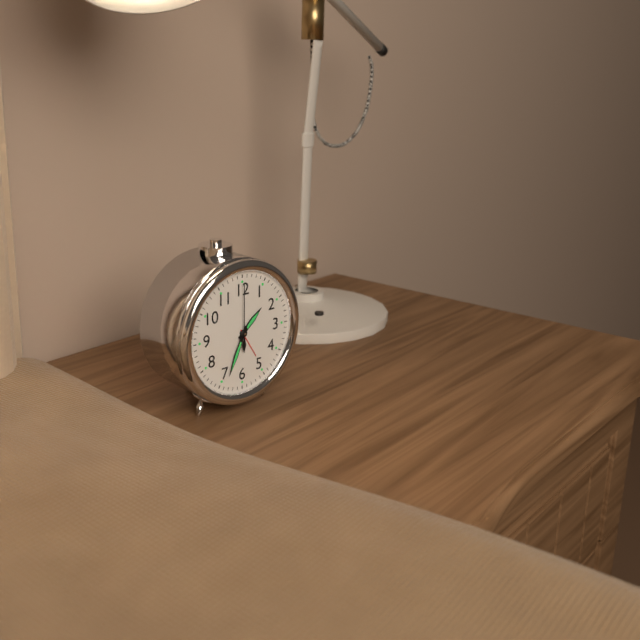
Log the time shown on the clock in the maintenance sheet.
1:34:00
